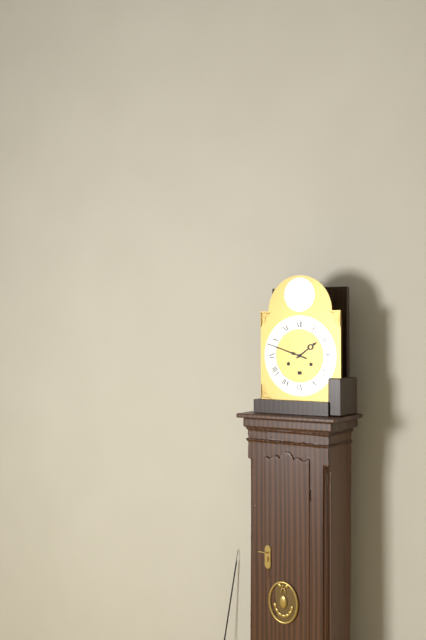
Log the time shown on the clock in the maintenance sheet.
1:48
